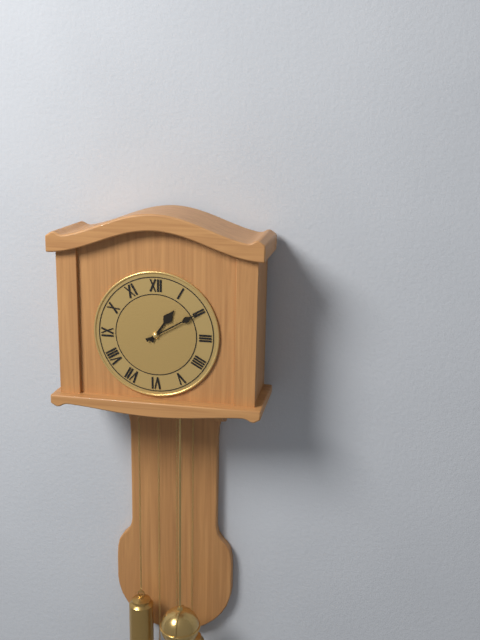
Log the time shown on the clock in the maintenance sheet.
1:10
